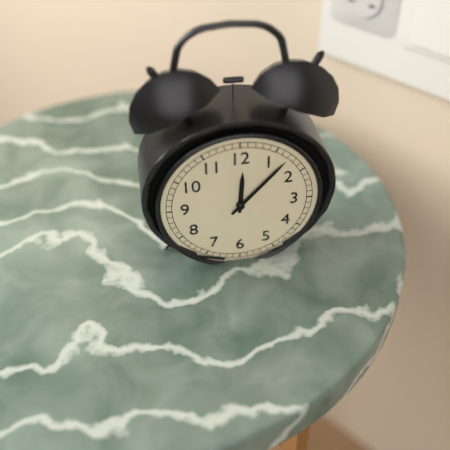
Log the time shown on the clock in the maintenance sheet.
12:07
